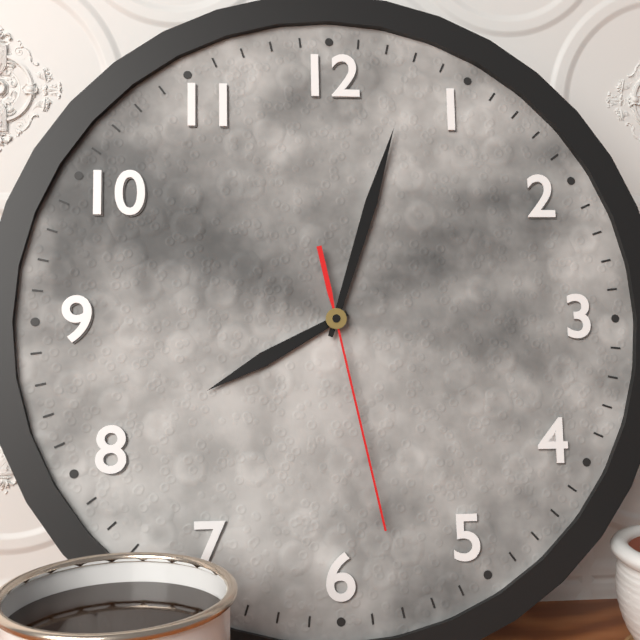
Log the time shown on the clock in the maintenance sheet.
8:03:28
